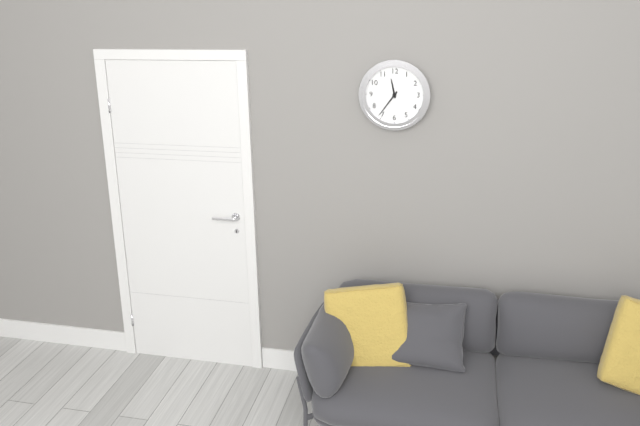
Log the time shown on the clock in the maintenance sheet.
11:36
